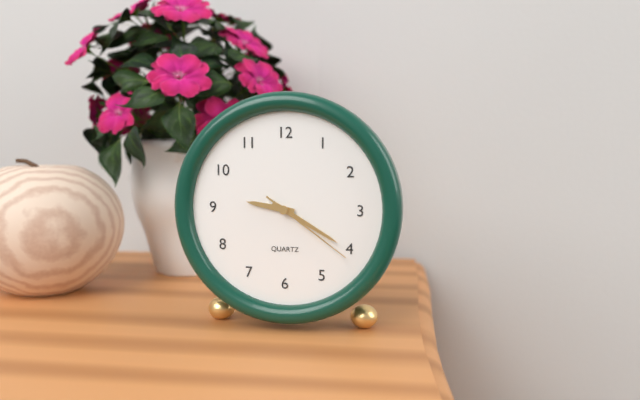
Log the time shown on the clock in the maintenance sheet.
9:20:21
